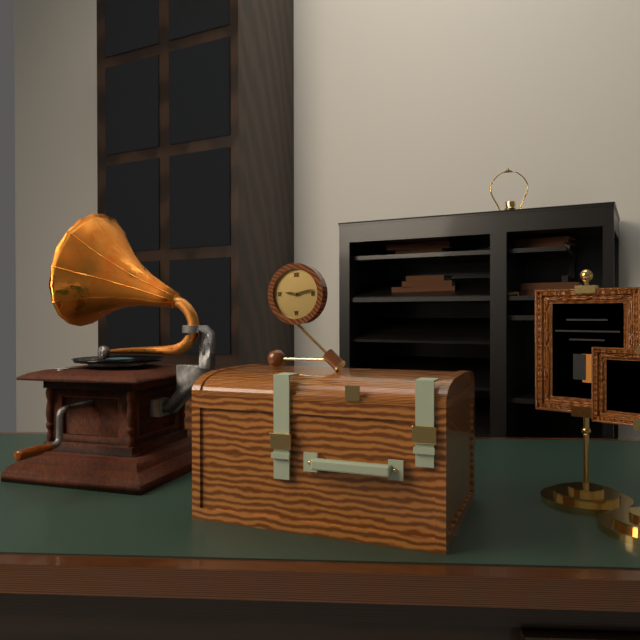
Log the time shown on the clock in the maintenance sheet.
9:13
